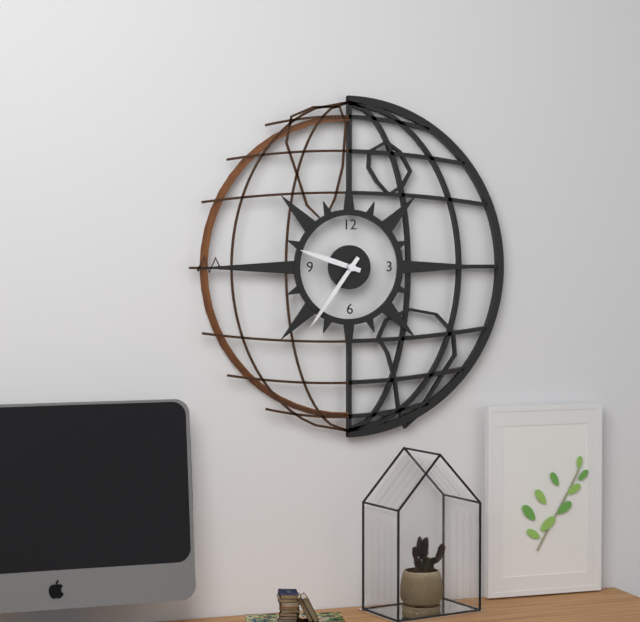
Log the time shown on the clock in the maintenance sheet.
9:36
